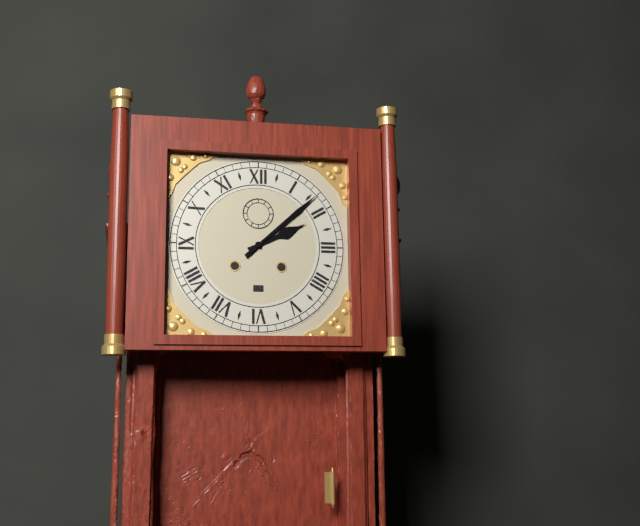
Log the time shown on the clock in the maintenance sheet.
2:08
